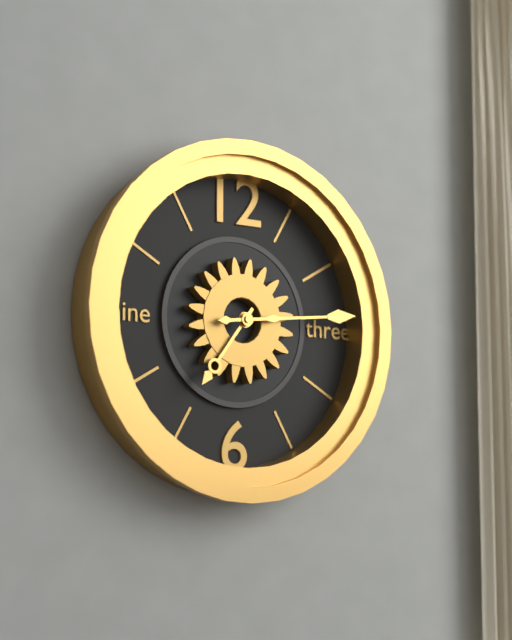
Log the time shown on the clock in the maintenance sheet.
7:14
